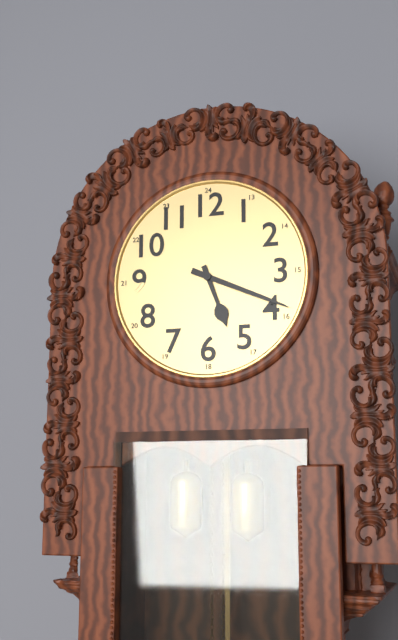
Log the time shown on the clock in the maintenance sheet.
5:19
